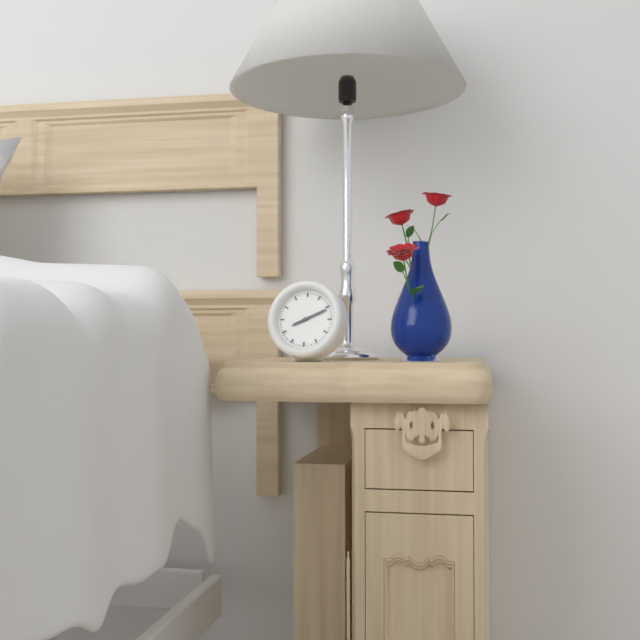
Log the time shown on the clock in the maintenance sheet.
8:11
